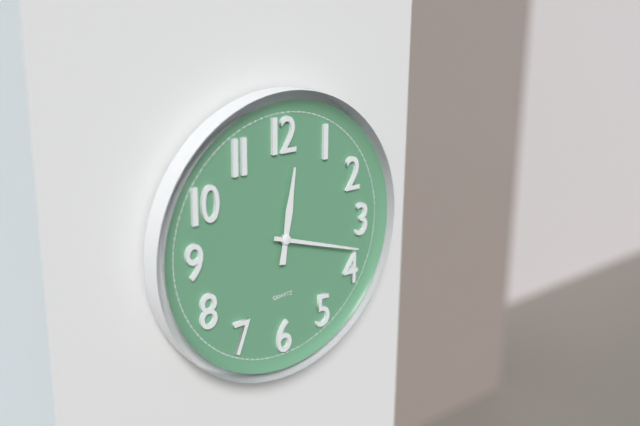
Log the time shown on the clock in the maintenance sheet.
12:18
